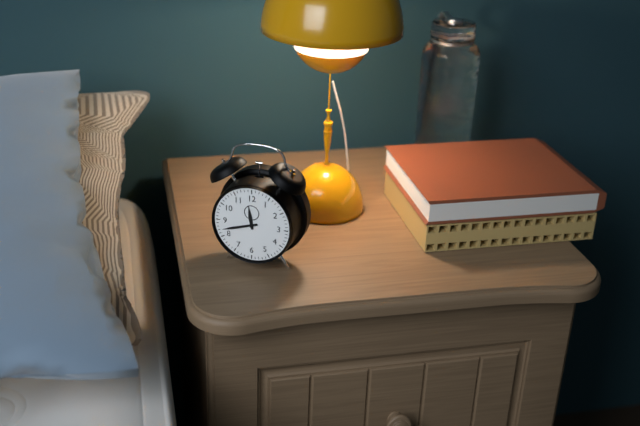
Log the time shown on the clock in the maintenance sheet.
11:42
